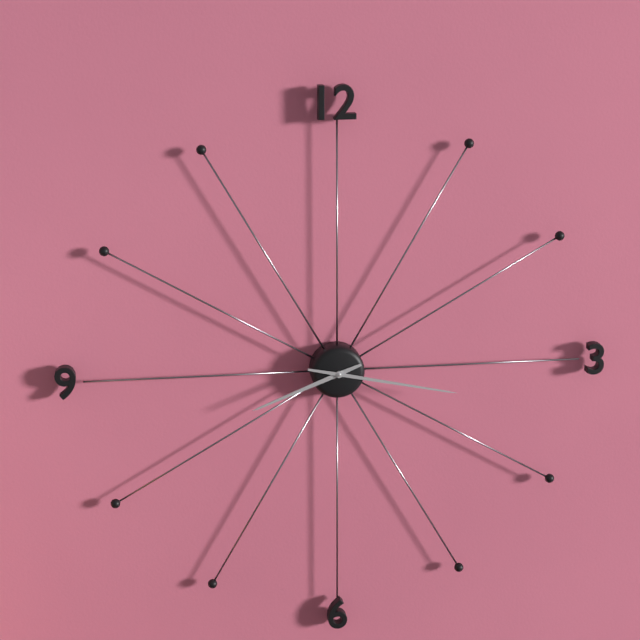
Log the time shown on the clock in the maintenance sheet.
8:17
